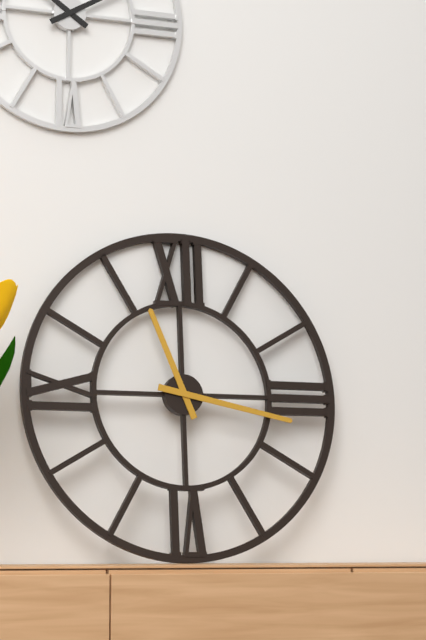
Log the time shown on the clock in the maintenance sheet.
11:17
